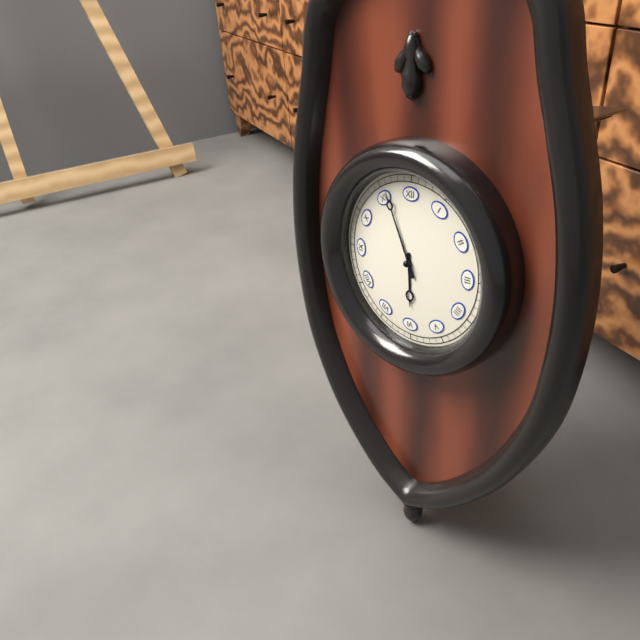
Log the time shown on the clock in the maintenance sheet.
5:56
